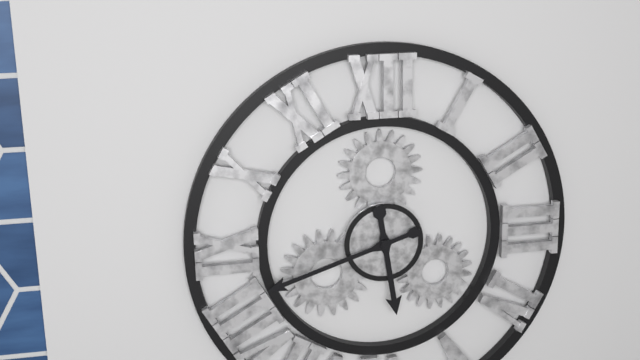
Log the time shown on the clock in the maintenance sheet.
5:42
